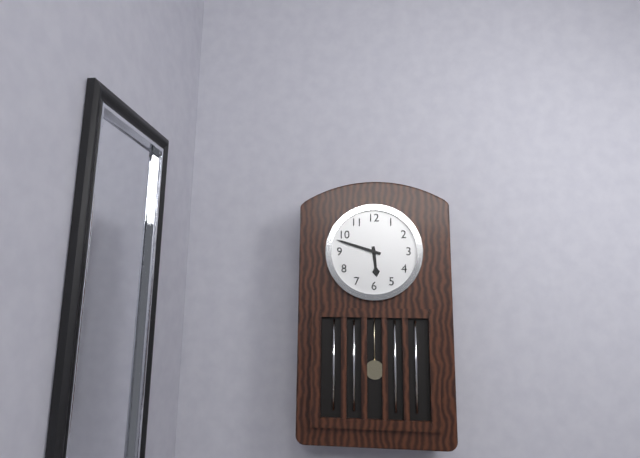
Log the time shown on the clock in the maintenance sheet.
5:48
